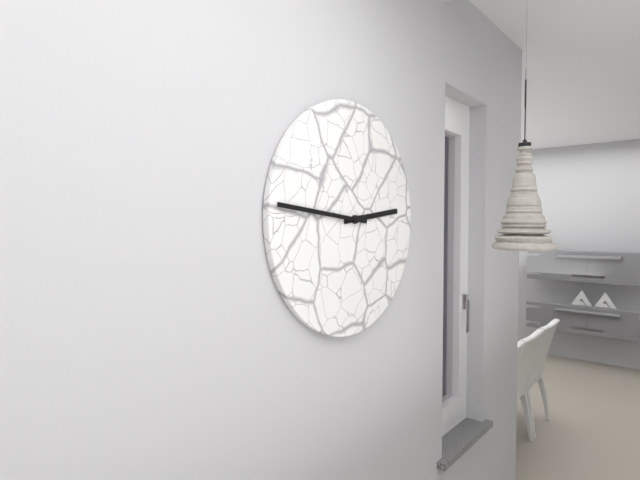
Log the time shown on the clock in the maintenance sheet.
2:46
